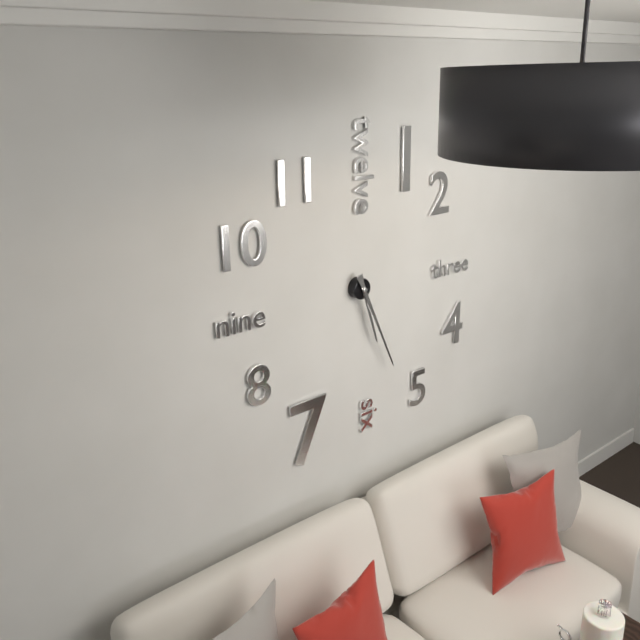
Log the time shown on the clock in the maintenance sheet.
5:26
